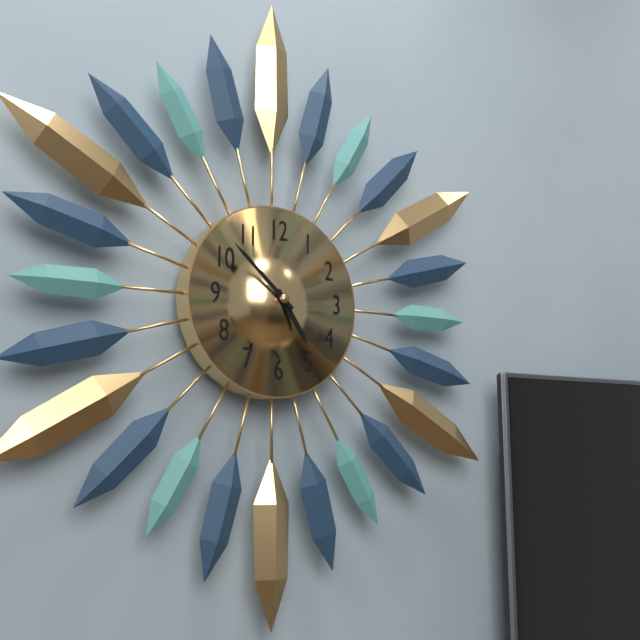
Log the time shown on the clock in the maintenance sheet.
4:52
